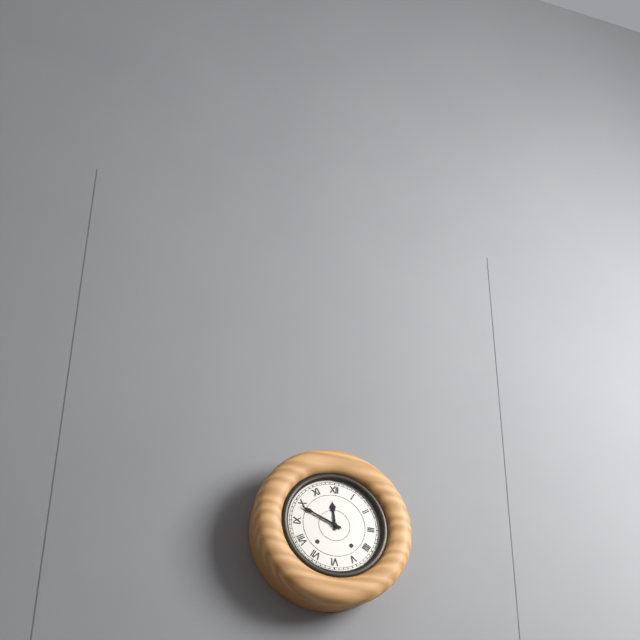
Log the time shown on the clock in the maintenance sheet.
11:49
